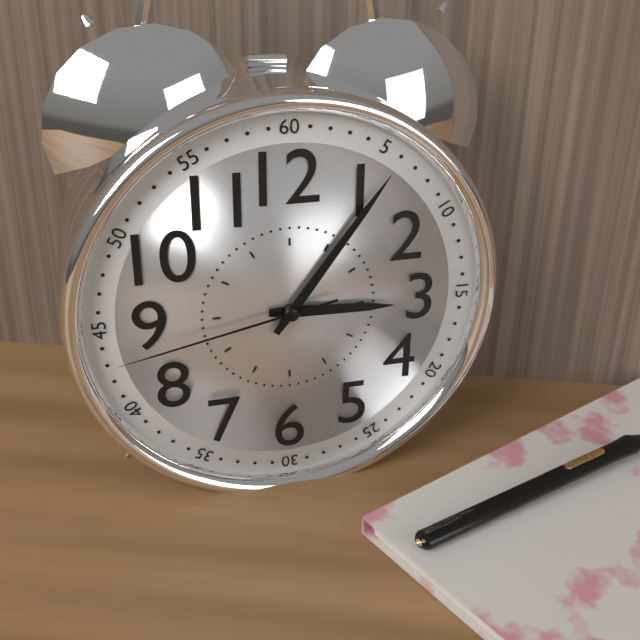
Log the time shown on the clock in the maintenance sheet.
3:06:43
